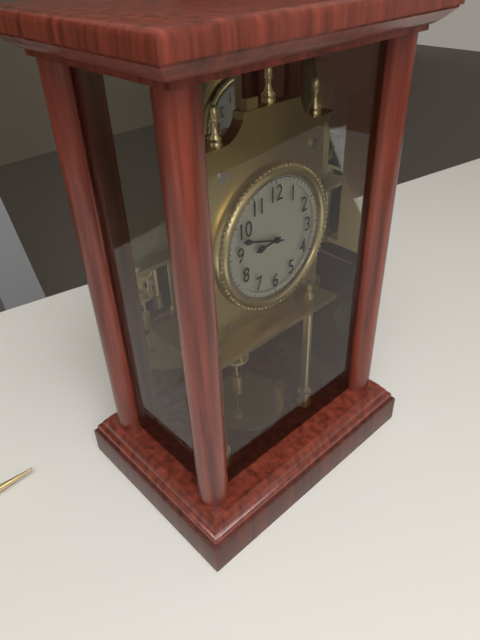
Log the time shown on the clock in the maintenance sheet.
8:48
